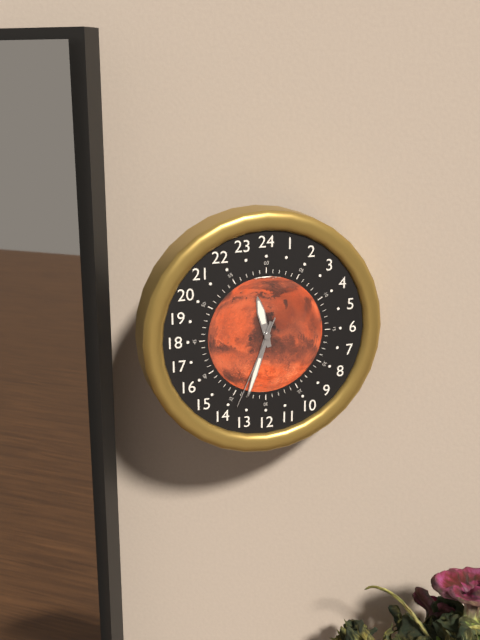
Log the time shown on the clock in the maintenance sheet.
11:33:34
